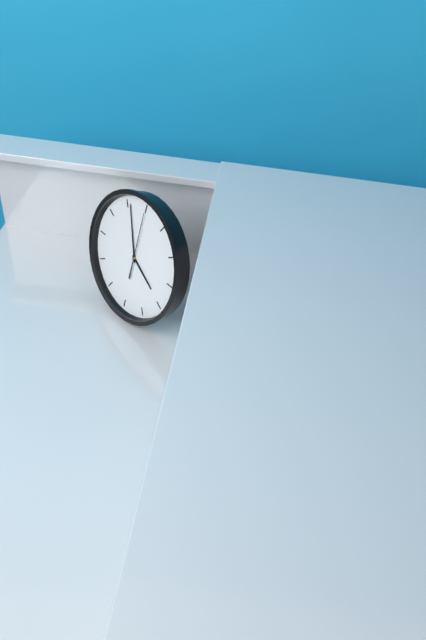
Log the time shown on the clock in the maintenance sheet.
3:56:00
